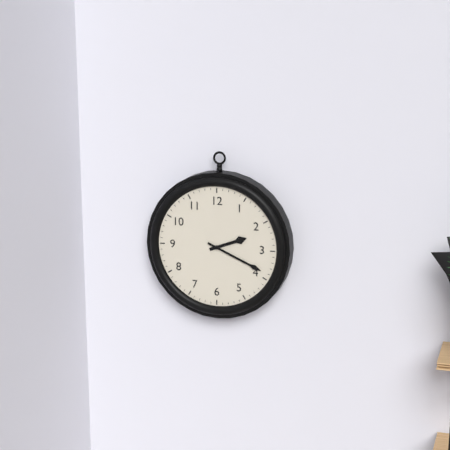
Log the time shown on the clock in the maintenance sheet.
2:19
